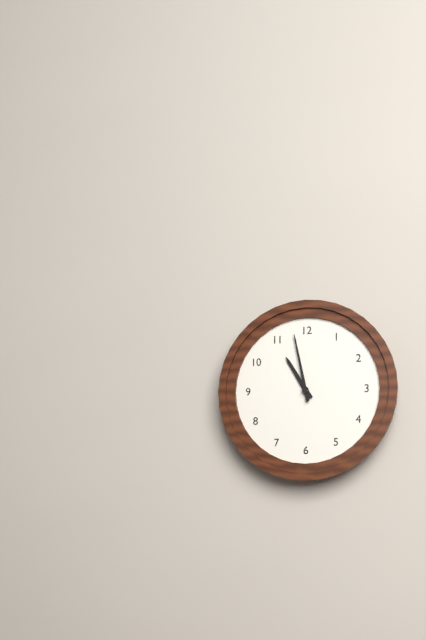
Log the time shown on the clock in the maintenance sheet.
10:58
